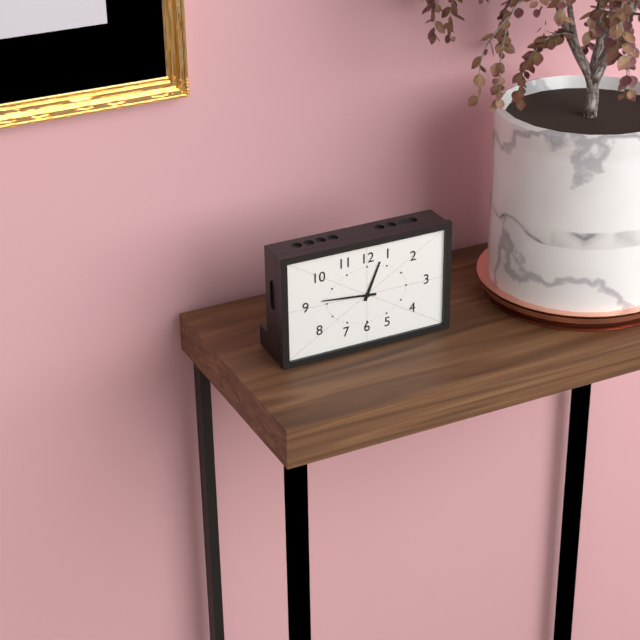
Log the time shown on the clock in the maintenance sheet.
12:46
